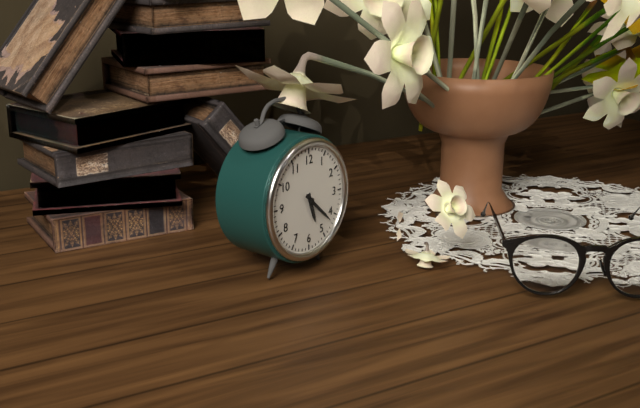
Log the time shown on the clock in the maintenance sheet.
5:22
